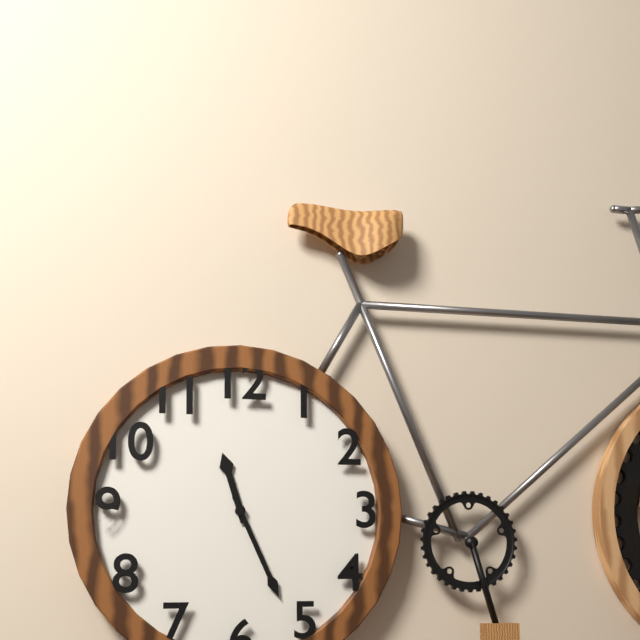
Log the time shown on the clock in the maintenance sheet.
11:26
